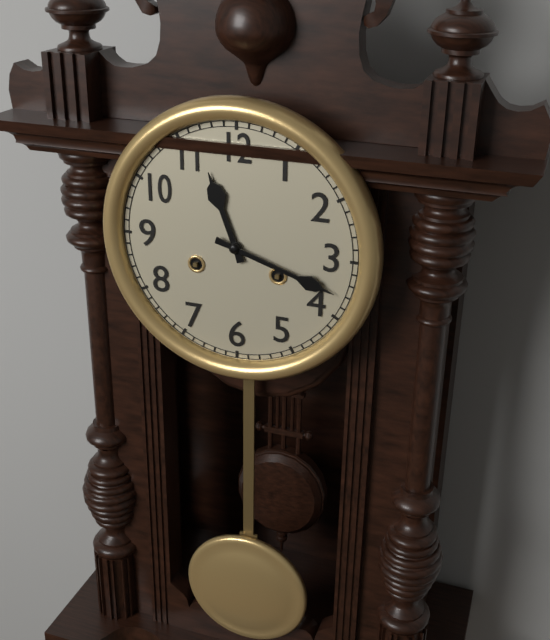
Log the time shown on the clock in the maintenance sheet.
11:18
